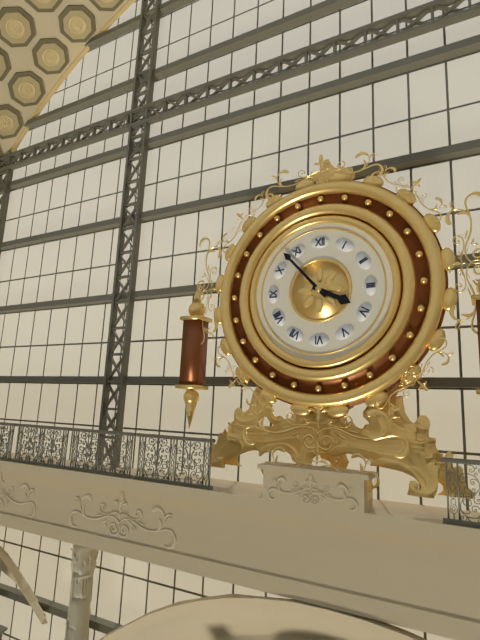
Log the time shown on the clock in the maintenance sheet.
3:53
